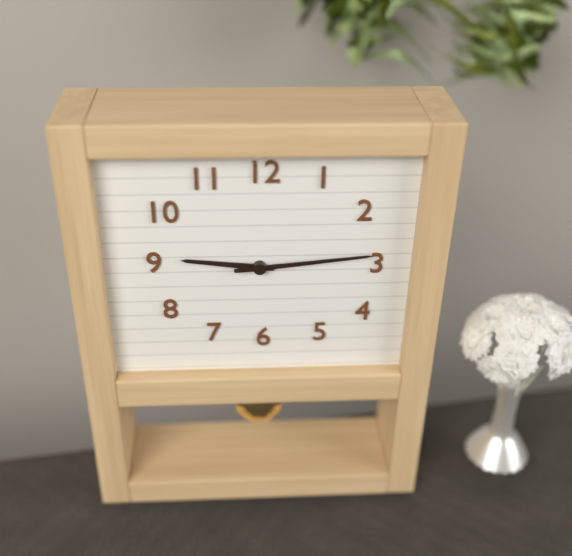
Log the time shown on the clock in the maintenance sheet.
9:14
